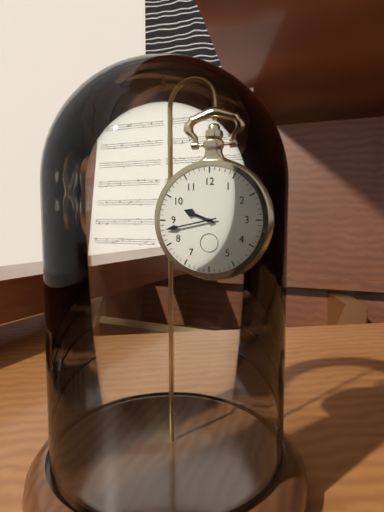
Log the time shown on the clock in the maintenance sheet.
9:43
